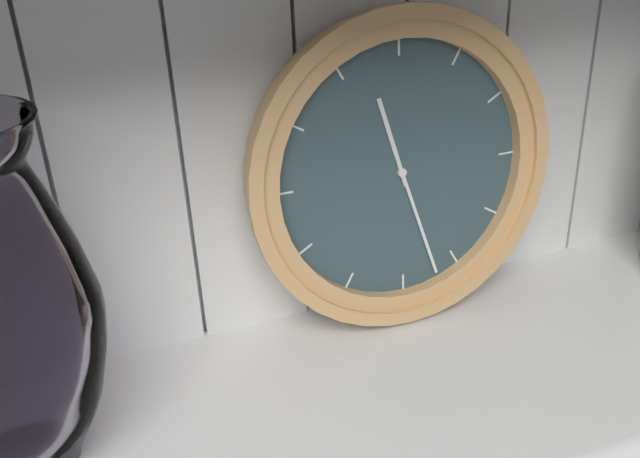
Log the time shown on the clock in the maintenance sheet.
11:27
